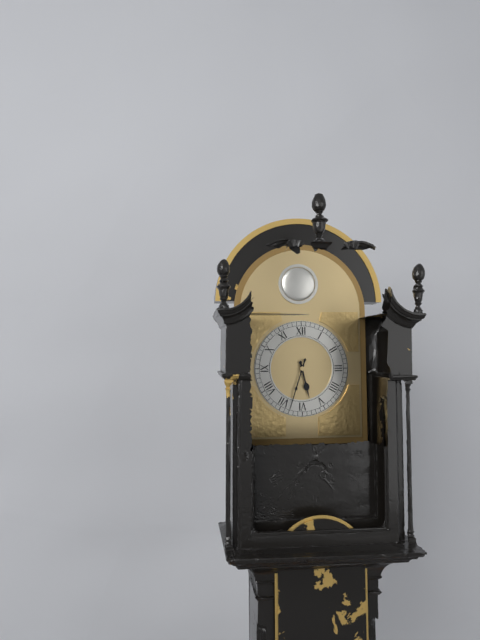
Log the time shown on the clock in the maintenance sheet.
5:33
